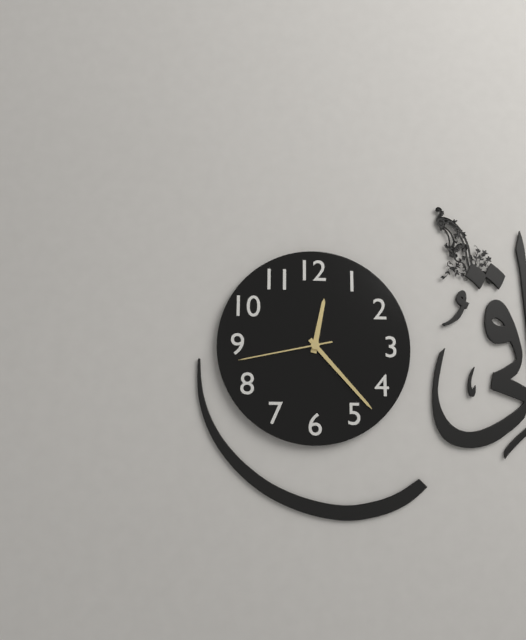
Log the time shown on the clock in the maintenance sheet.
12:23:43
